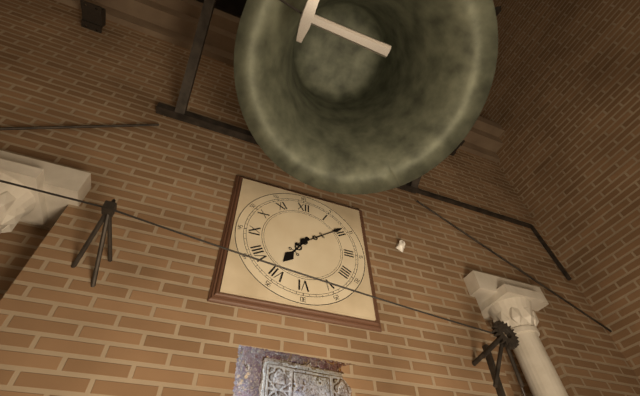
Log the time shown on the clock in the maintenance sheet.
7:09
